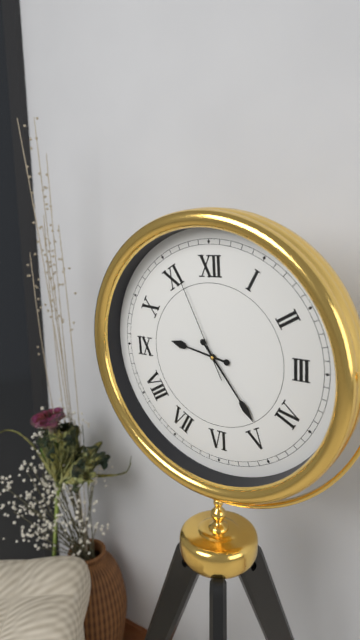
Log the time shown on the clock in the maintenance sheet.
9:24:56
